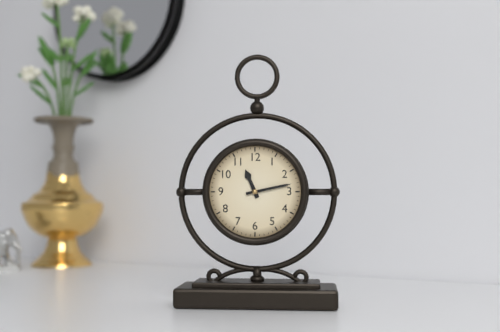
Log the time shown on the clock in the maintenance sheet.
11:13
